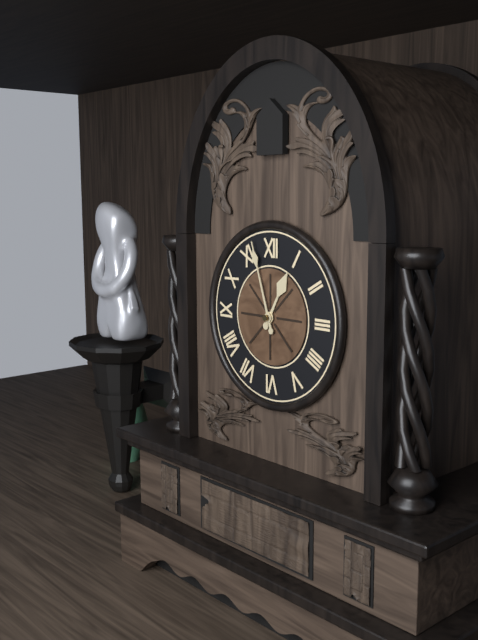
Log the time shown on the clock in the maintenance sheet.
12:57
